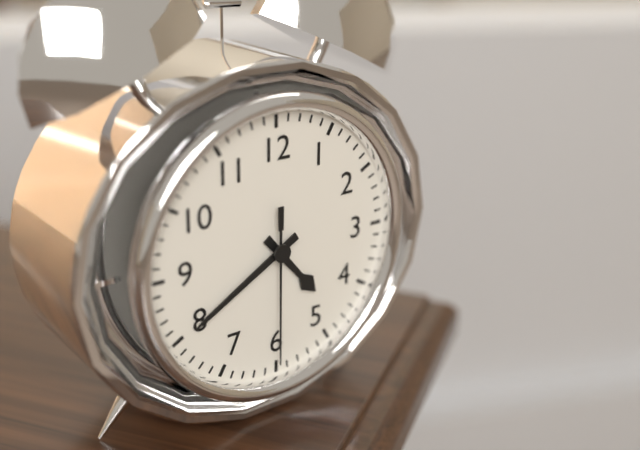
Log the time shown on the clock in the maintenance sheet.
4:40:30
